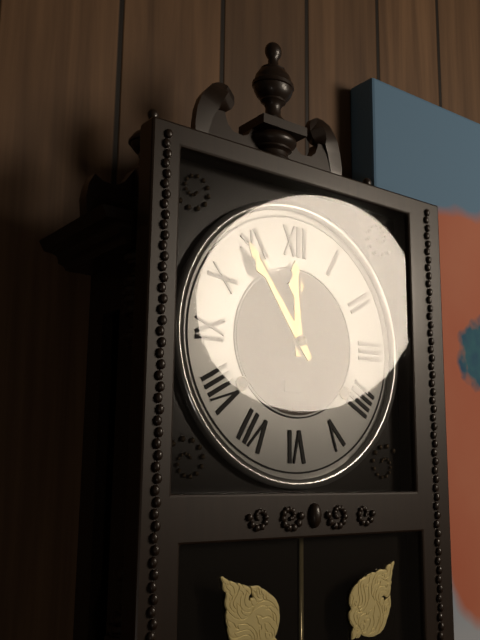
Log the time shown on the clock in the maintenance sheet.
11:54
